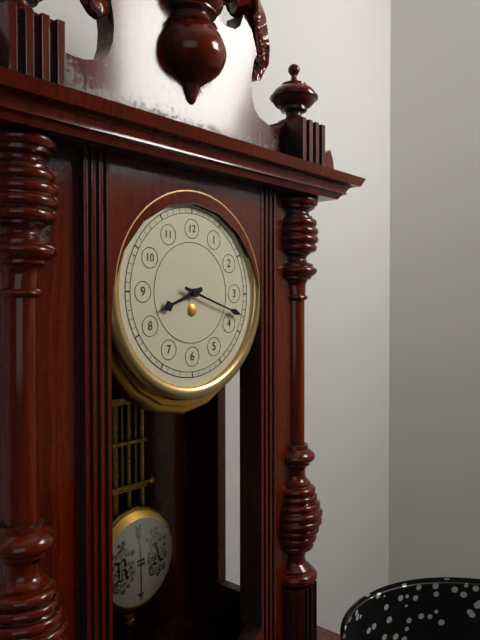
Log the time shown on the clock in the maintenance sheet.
8:18
